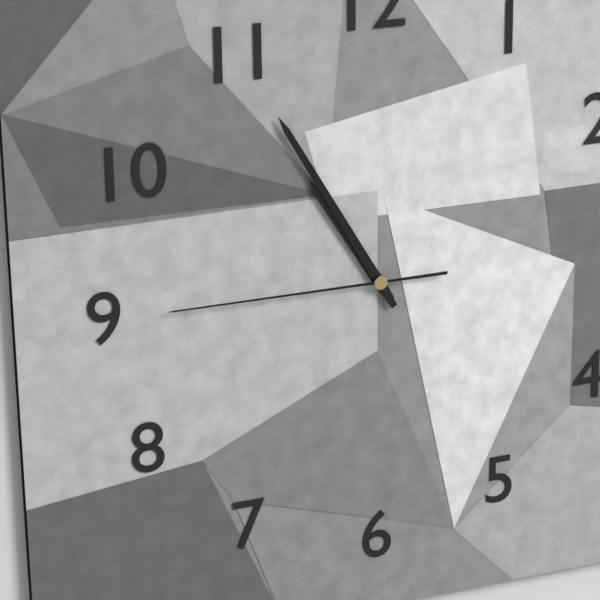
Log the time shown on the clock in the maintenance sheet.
10:55:45
